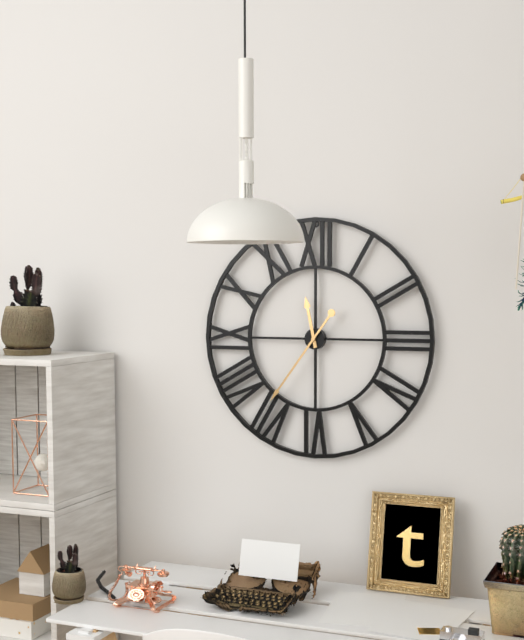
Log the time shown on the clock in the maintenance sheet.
11:36
